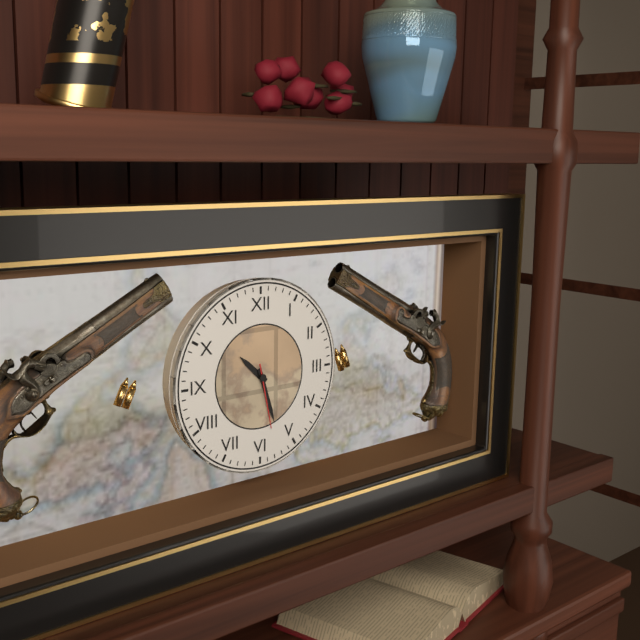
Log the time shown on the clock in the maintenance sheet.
10:27:28
